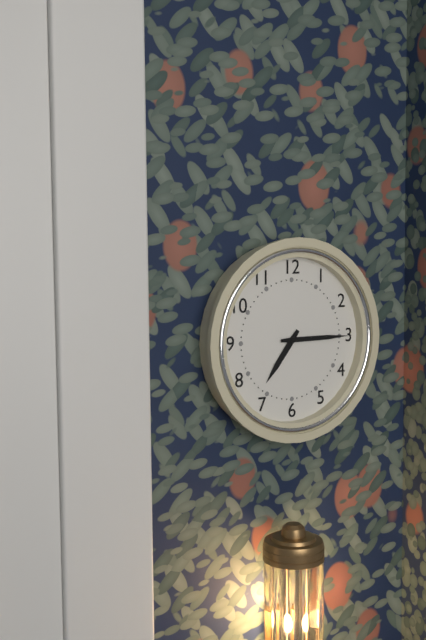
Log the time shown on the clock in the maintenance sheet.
7:15
